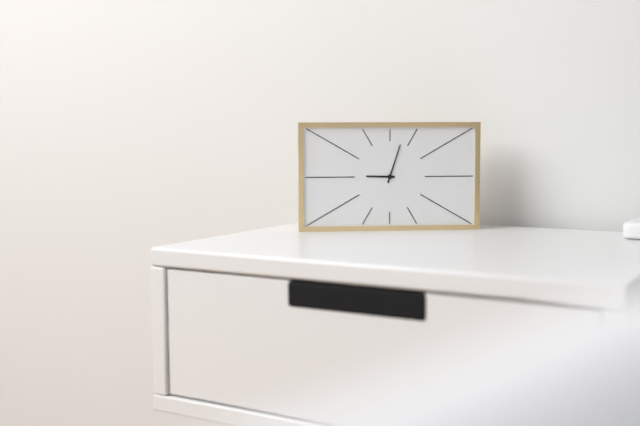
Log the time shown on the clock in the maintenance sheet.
9:03
